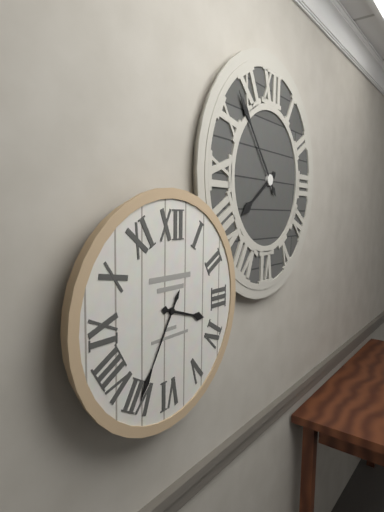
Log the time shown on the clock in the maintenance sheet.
3:35
